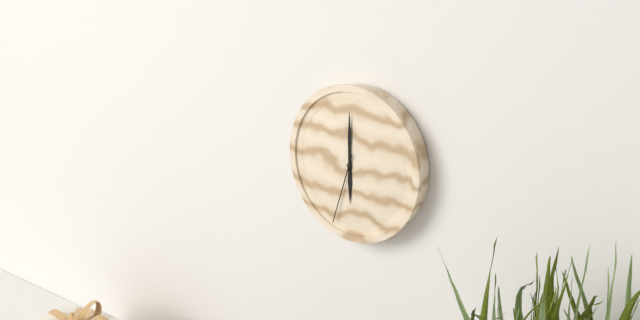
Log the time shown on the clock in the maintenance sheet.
6:00:33
